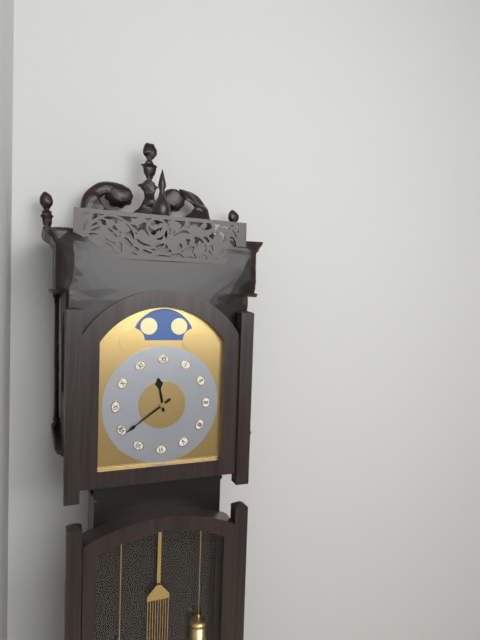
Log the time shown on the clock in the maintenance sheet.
11:39
